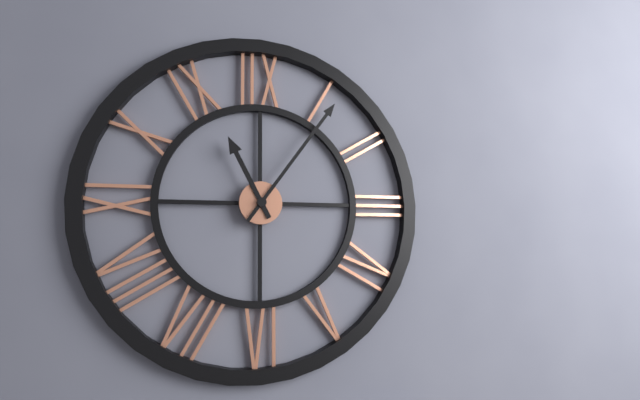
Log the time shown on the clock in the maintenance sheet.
11:06
